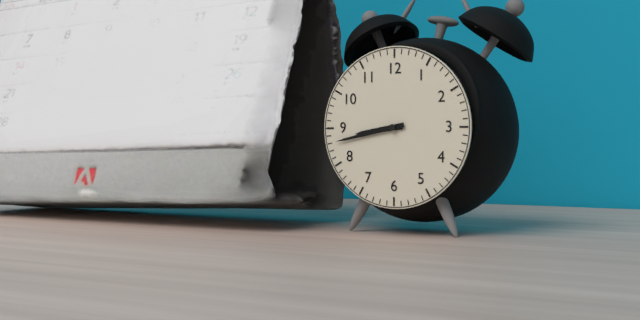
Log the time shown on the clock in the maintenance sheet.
8:43
